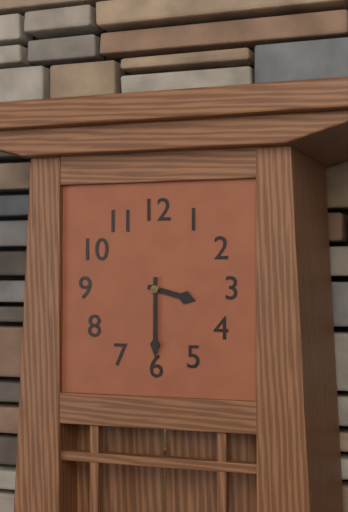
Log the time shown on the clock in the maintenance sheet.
3:30
